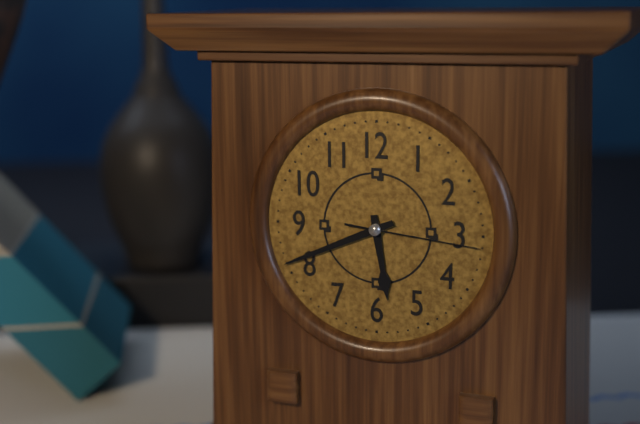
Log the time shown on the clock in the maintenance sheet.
5:41:16
